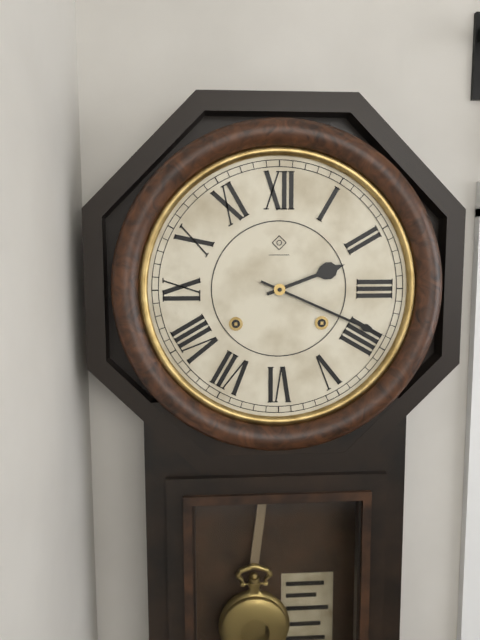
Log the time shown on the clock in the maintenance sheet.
2:19
